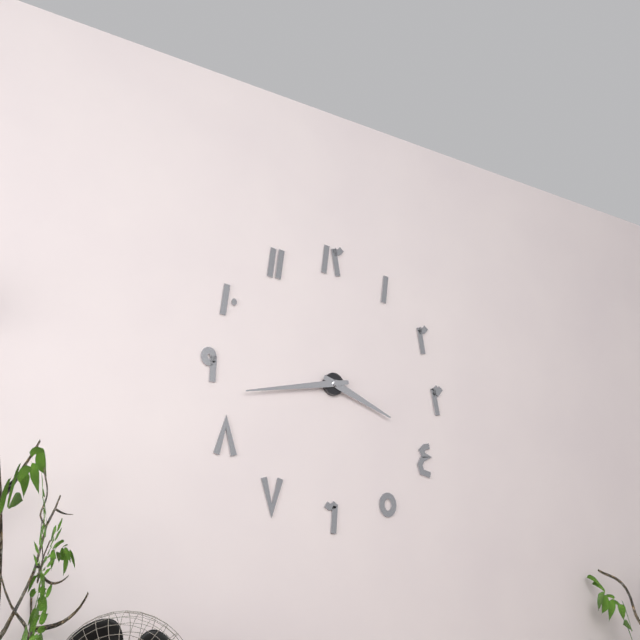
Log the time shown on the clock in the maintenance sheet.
3:43
